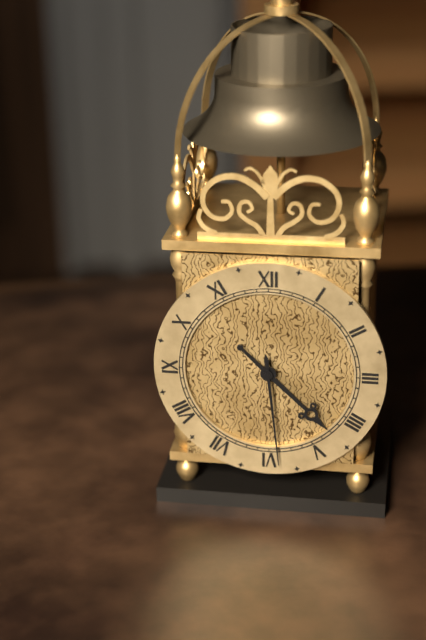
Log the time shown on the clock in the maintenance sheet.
4:29
